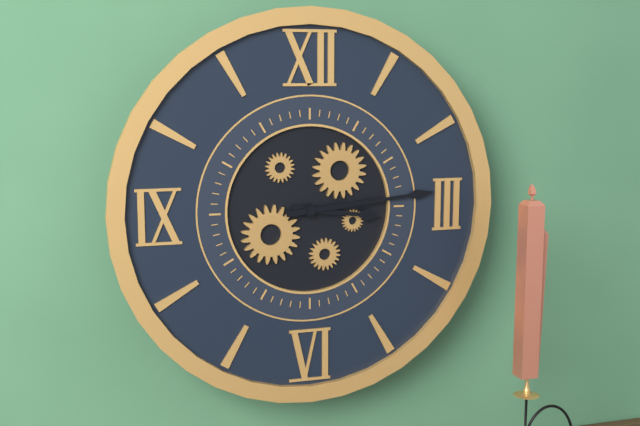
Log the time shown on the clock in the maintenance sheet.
3:14
